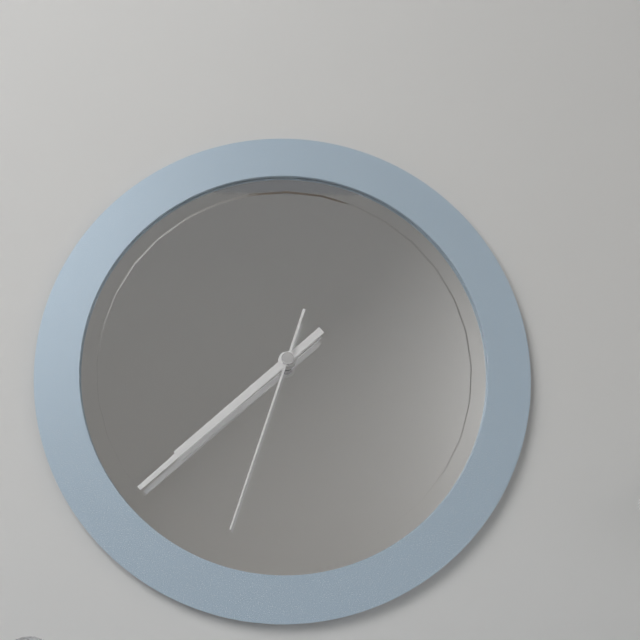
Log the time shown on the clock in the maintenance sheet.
7:38:33
